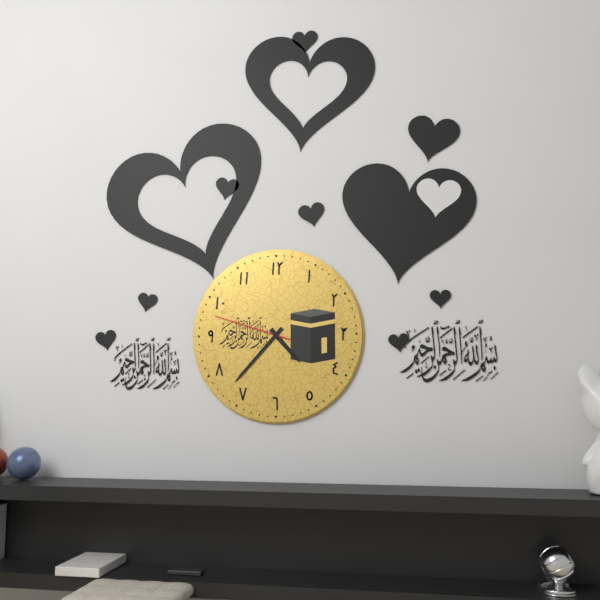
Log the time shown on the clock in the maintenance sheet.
4:37:48
